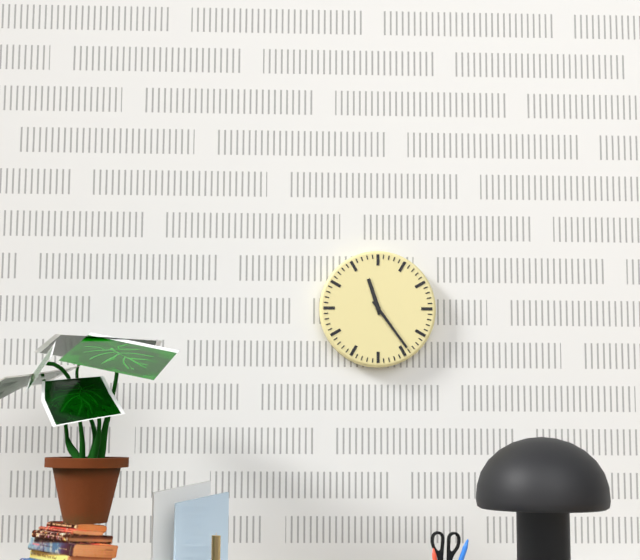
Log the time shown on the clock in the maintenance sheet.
11:24
